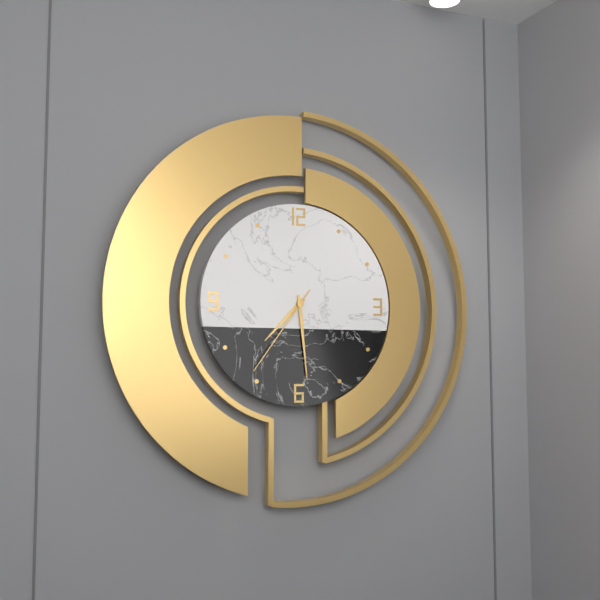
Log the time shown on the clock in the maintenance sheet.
7:29:36
